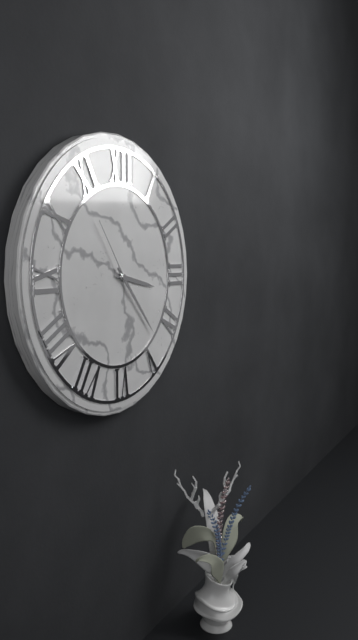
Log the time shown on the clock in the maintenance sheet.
3:23:54
